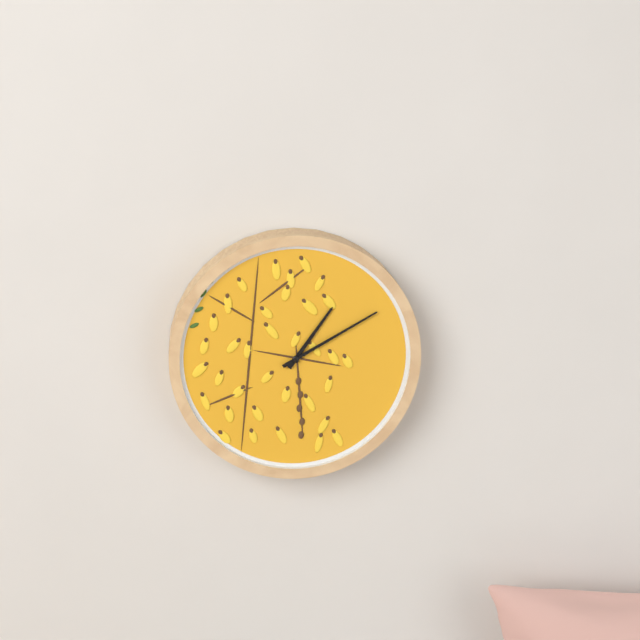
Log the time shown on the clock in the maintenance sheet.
1:10
